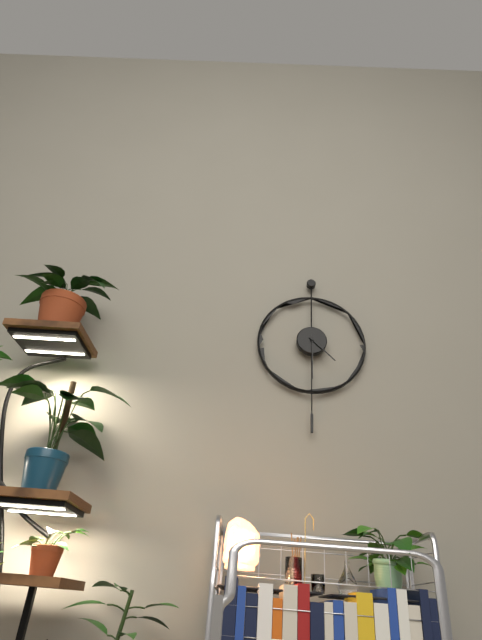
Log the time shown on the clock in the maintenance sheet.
4:30
